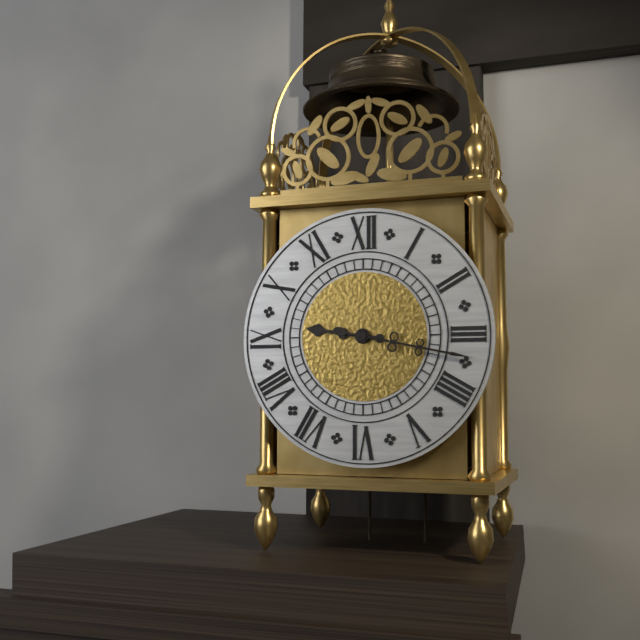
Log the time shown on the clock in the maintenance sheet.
9:17
